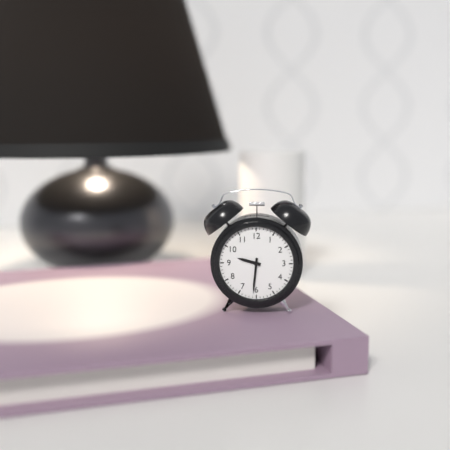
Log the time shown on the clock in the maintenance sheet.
9:31
